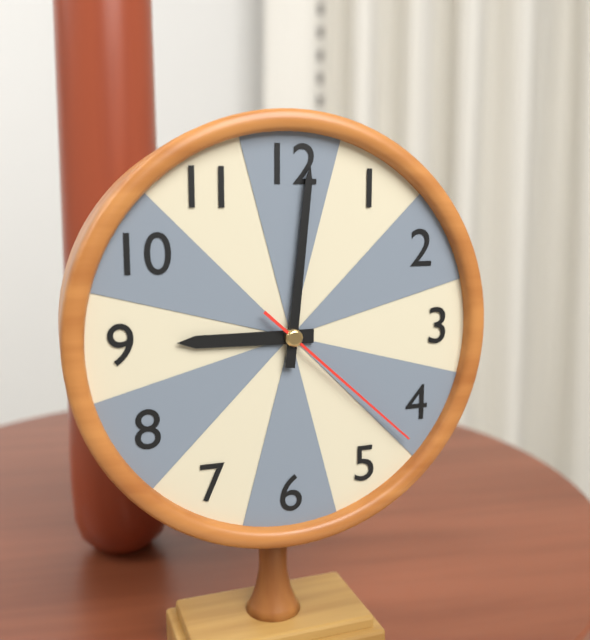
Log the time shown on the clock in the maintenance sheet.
9:01:22
